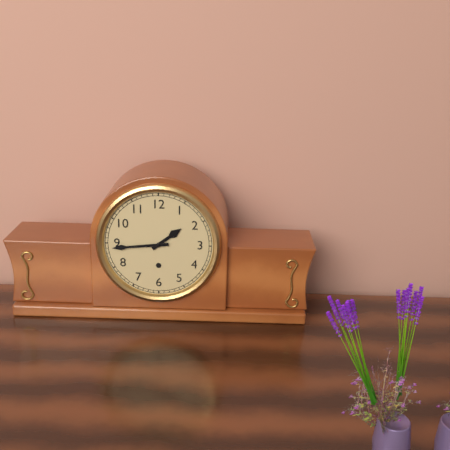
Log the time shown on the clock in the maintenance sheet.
1:44
